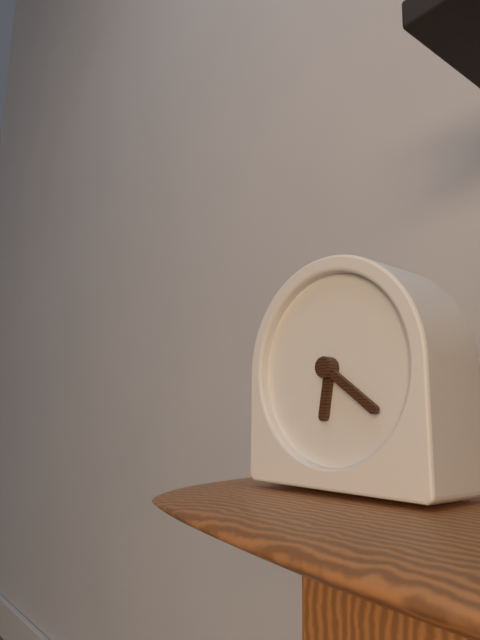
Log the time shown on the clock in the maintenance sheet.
6:21
